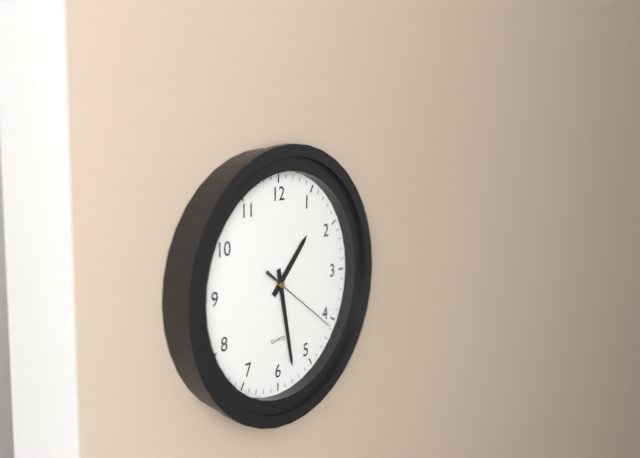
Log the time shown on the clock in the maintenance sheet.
1:28:21
